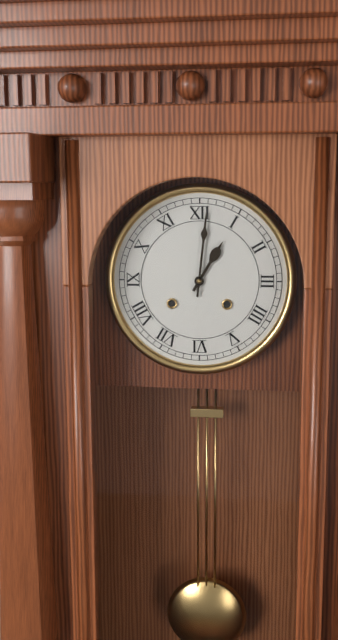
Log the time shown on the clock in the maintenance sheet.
1:01
